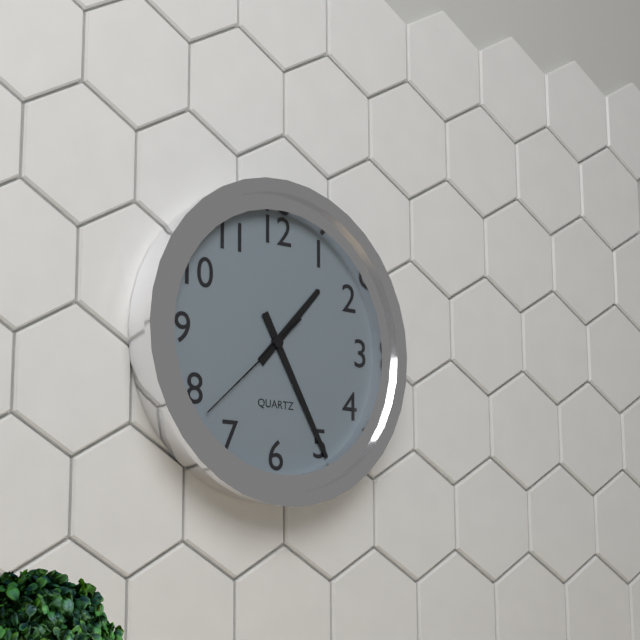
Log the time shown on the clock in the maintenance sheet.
1:25:38
